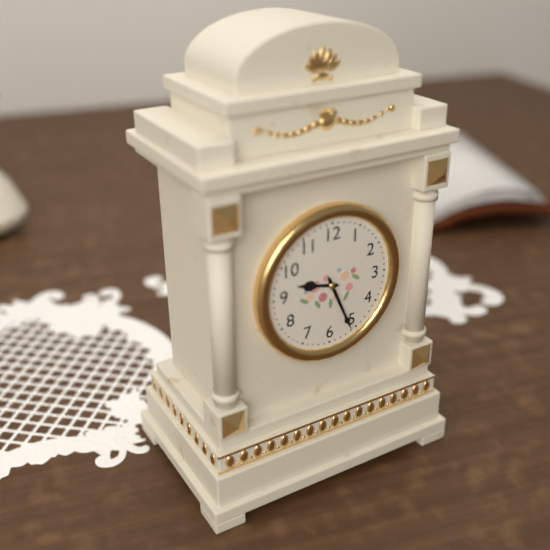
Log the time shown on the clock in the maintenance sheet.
9:26
